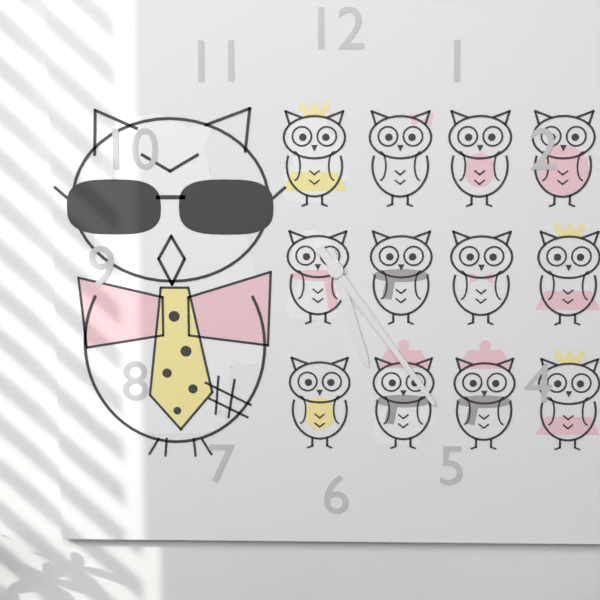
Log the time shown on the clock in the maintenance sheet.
5:24
